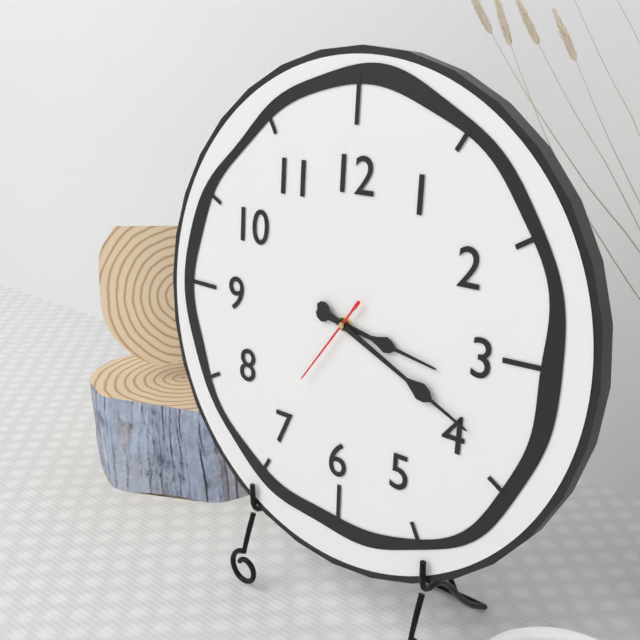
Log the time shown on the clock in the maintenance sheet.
3:19:36
